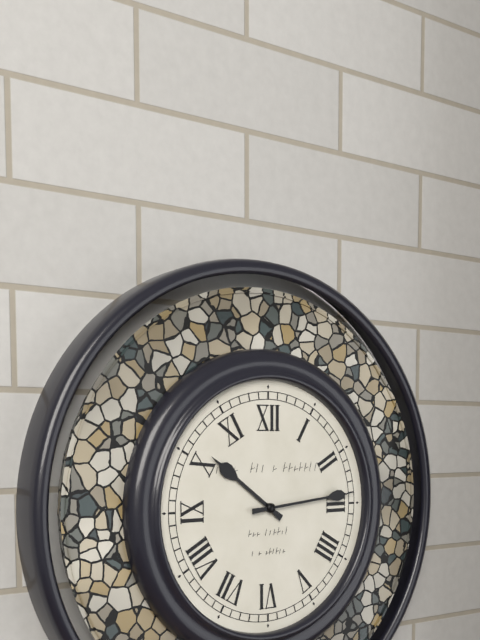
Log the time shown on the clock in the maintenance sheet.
10:14
